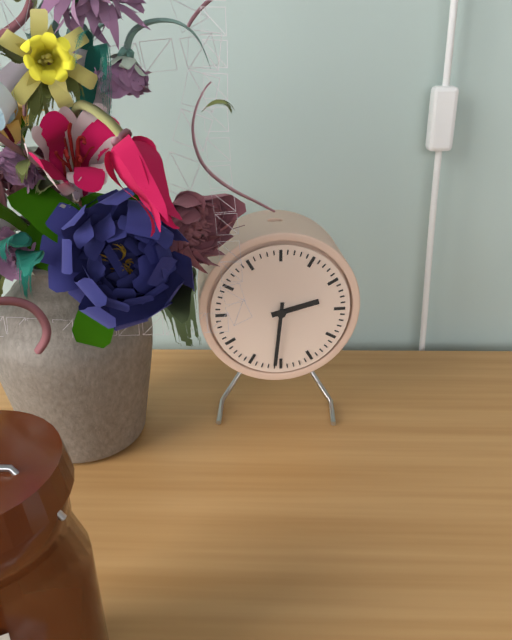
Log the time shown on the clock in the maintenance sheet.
2:31
